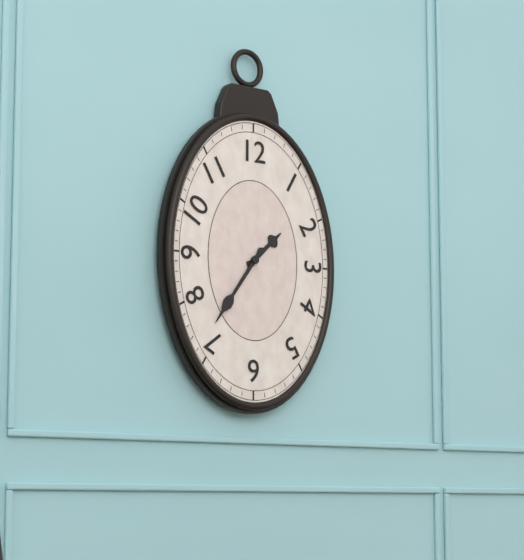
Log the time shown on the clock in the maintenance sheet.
1:36
